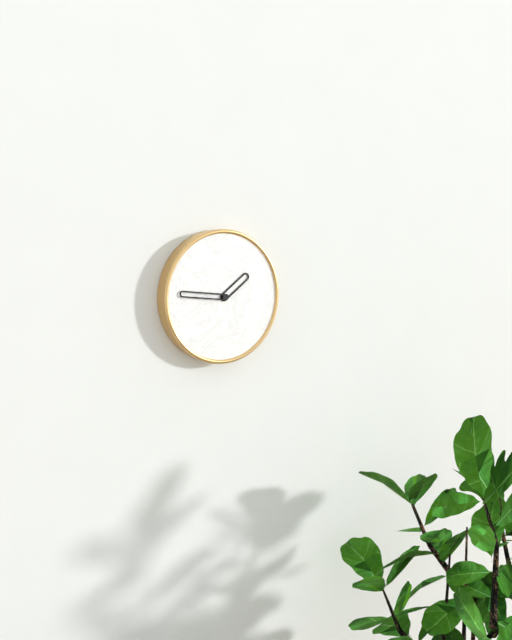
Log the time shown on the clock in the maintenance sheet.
1:46
